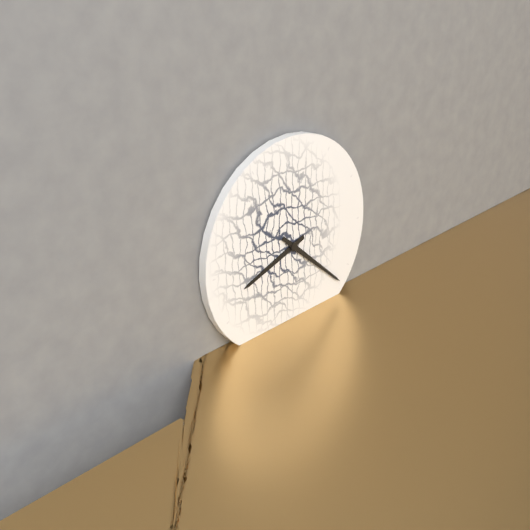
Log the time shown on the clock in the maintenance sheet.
8:22
